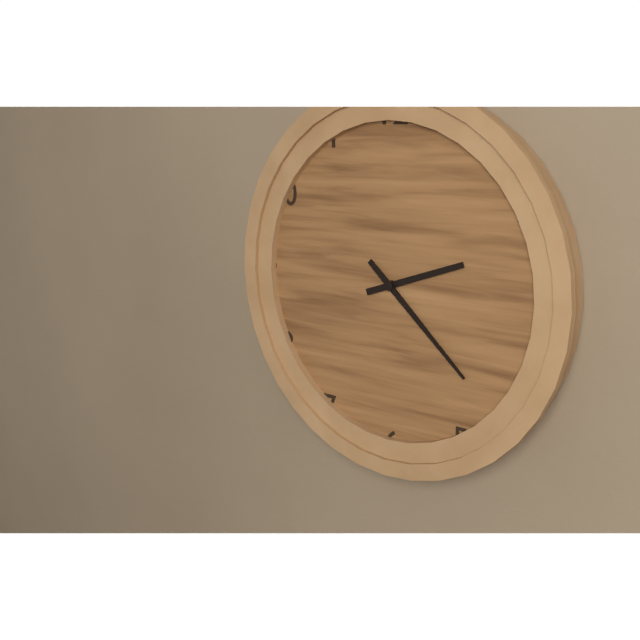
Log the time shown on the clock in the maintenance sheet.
2:22
